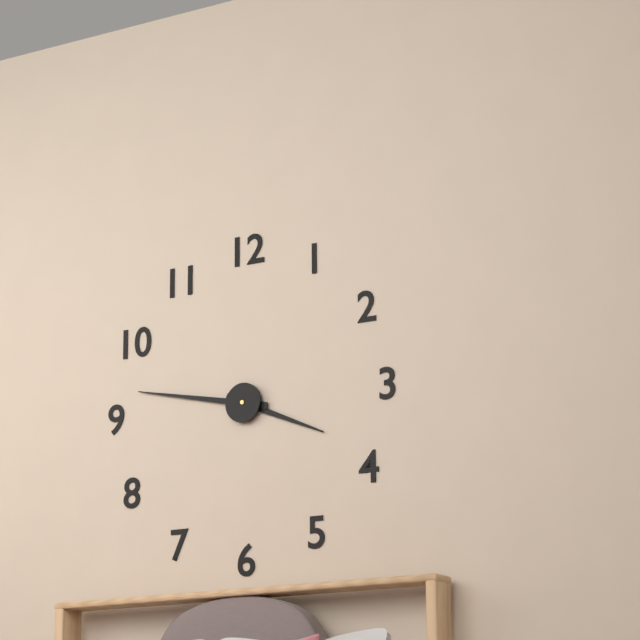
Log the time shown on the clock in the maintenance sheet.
3:47
